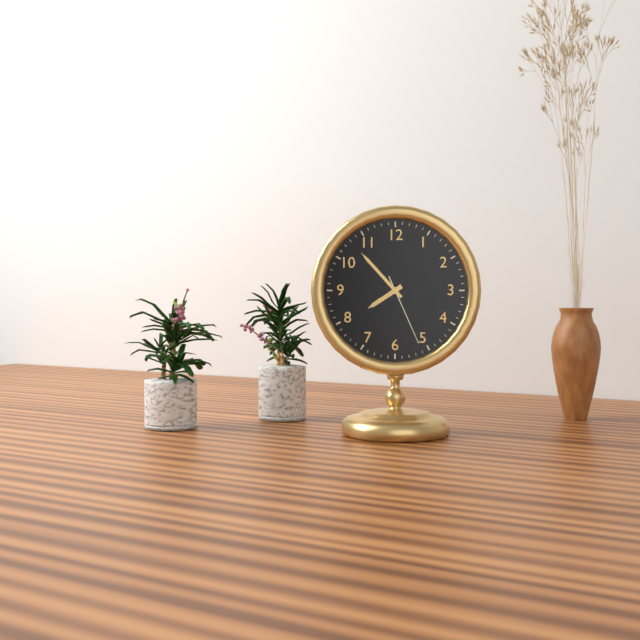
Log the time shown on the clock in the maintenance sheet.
7:53:26
